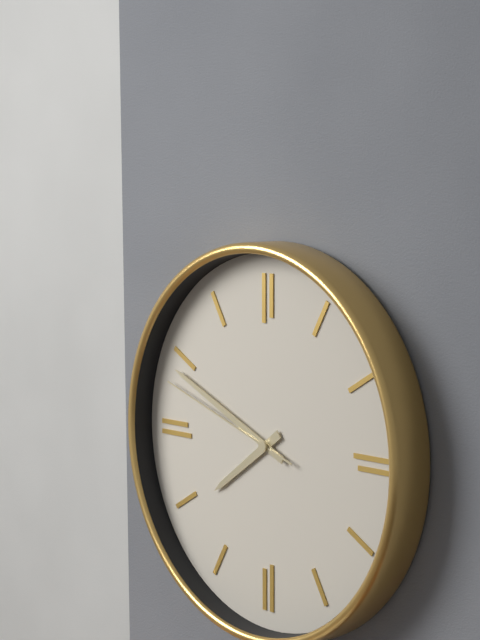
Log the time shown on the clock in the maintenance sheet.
7:49:48
